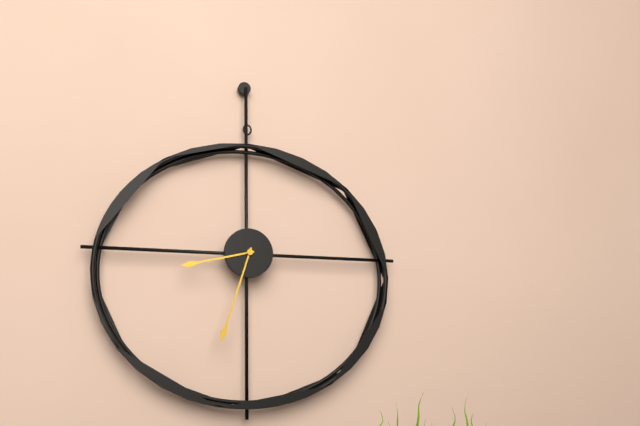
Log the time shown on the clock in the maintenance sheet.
8:33
